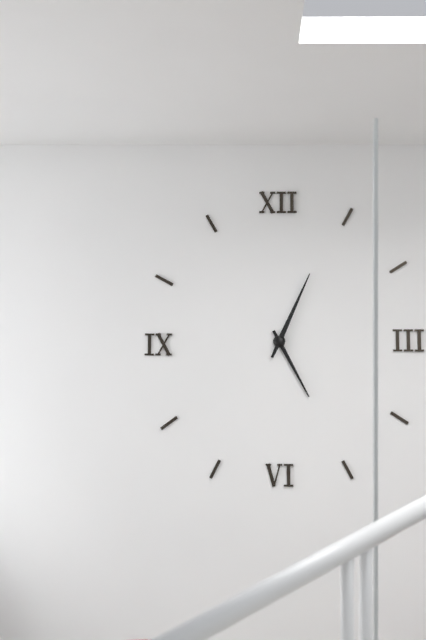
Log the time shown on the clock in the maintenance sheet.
5:04
